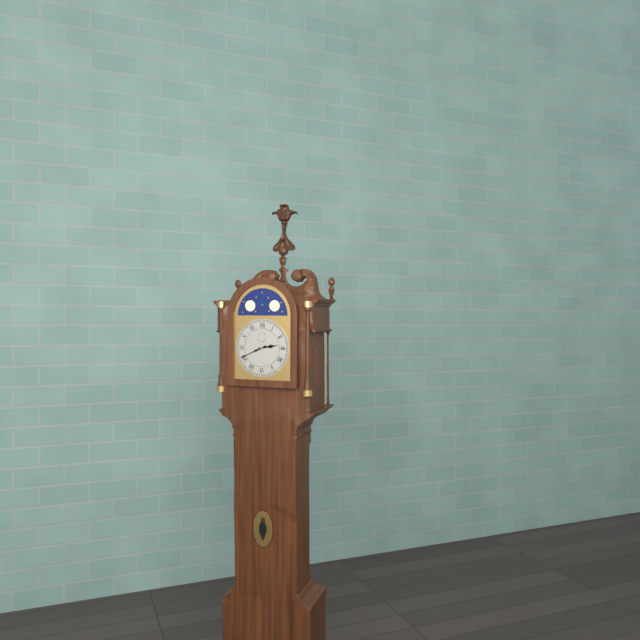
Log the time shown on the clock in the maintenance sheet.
2:41
